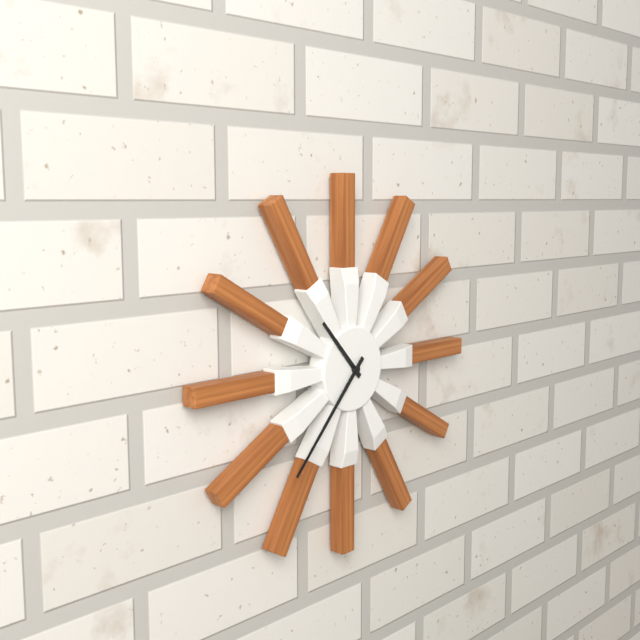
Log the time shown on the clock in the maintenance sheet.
10:37
